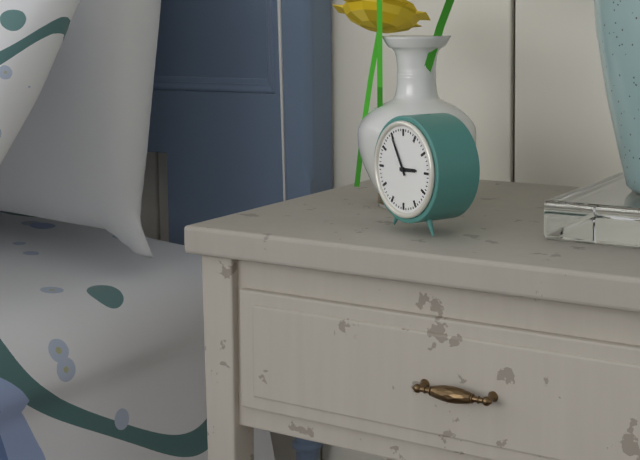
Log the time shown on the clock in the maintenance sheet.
2:55
